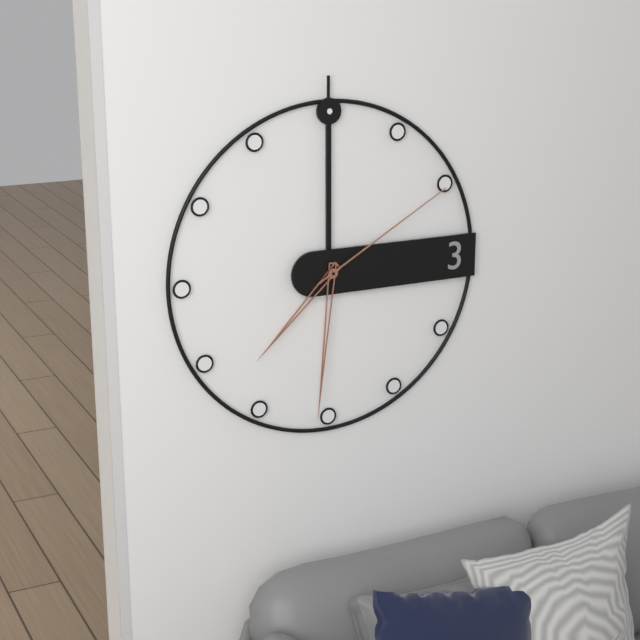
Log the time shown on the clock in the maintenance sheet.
7:31:10
